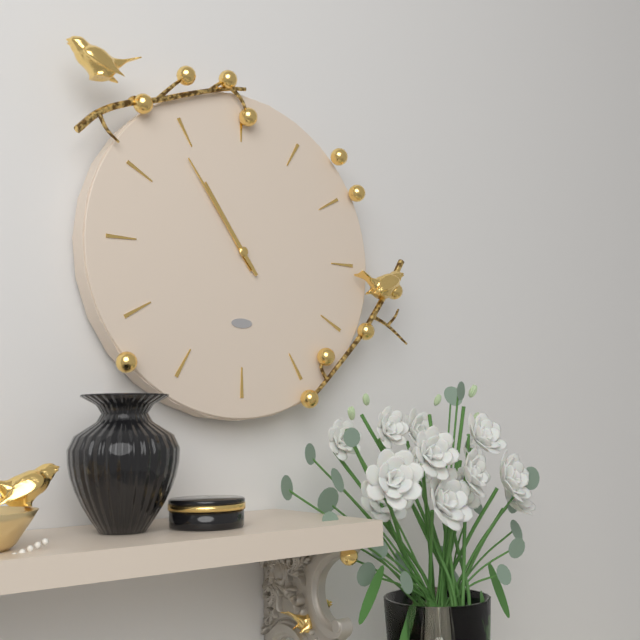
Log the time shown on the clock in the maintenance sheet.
10:54
